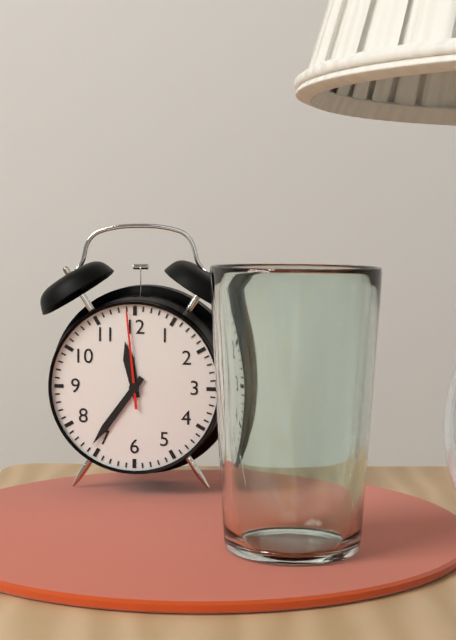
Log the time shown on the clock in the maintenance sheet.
11:36:59
